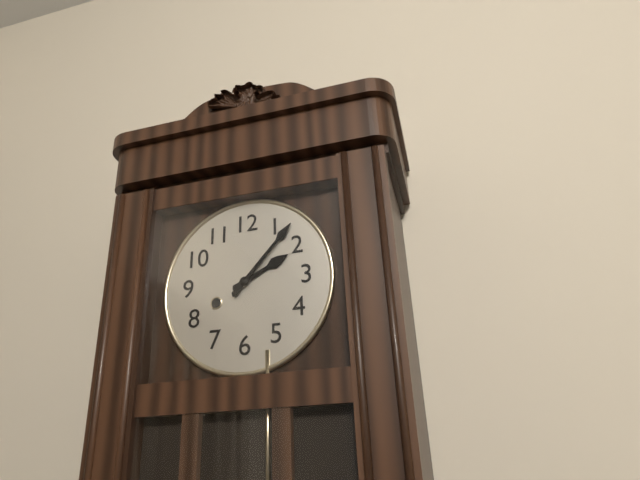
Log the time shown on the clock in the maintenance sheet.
2:07
